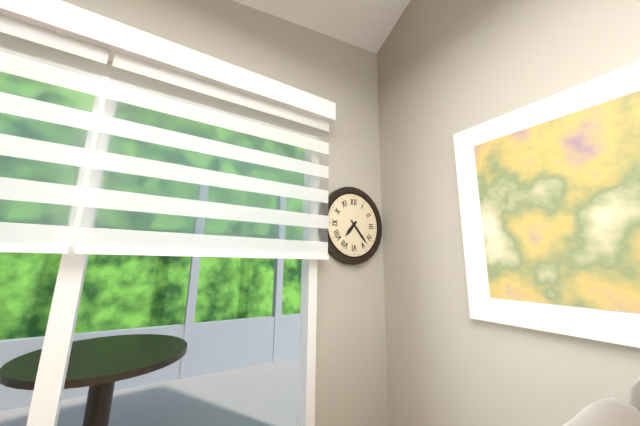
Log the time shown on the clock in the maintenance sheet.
7:23
